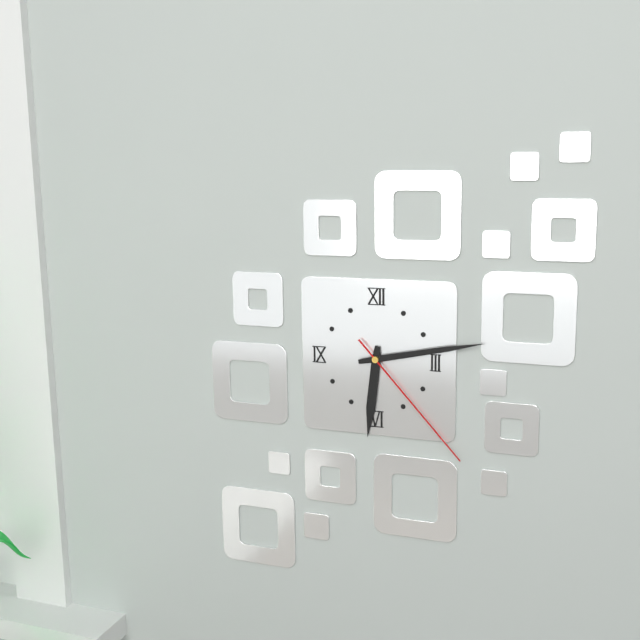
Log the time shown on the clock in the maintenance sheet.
6:13:23
